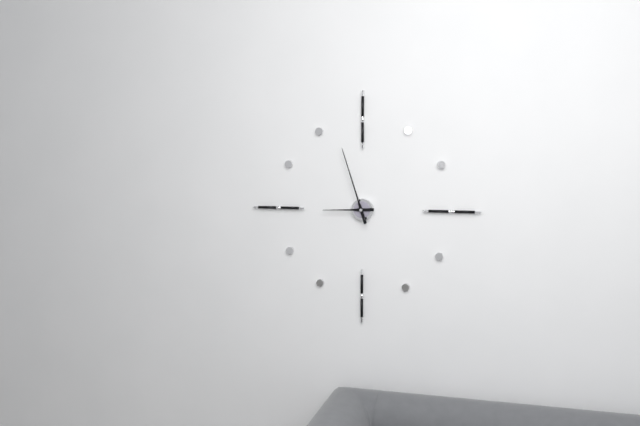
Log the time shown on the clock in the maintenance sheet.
8:57
